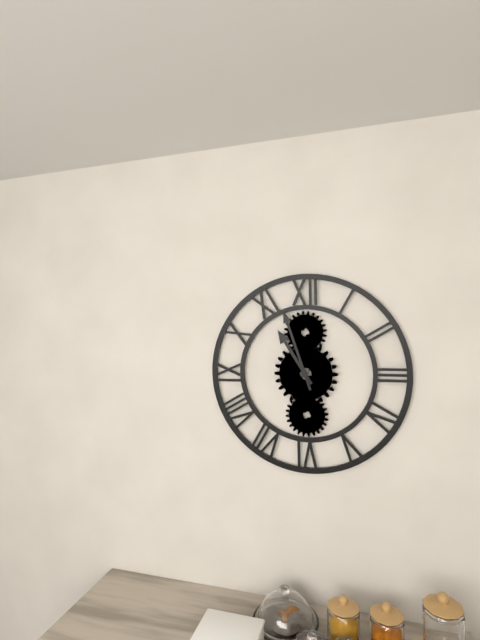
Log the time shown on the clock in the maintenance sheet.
10:57
